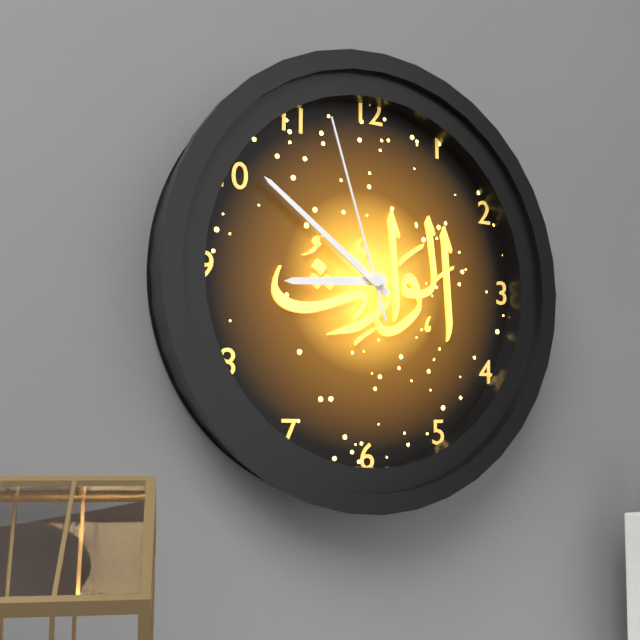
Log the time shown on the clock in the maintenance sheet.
8:51:57
